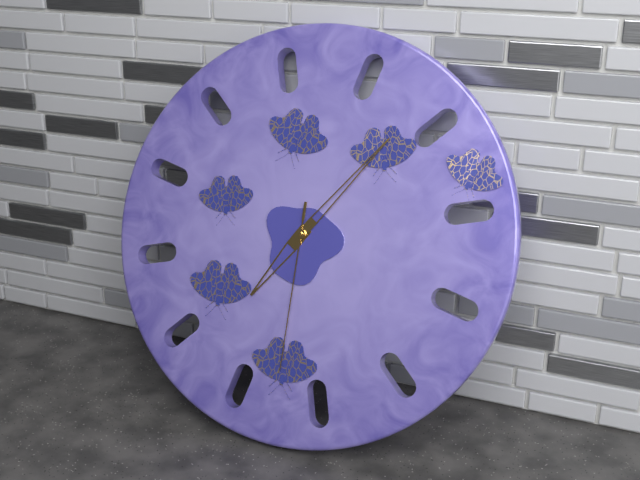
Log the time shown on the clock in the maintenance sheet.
7:06:30
